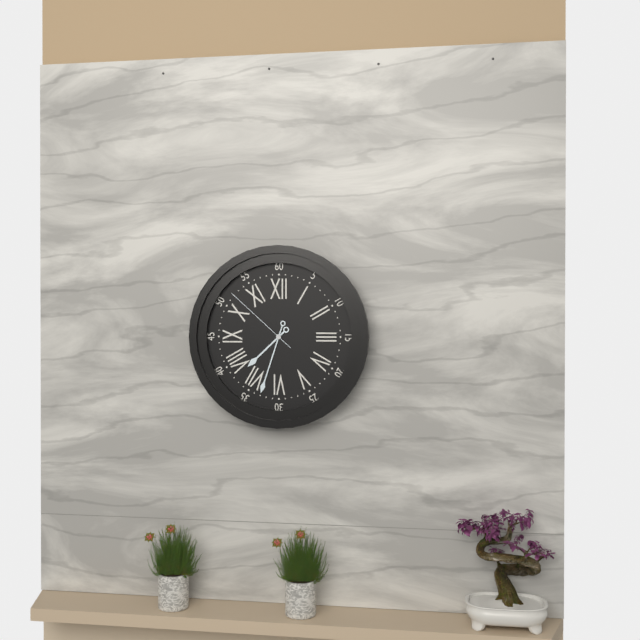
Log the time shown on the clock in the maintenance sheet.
7:33:52
